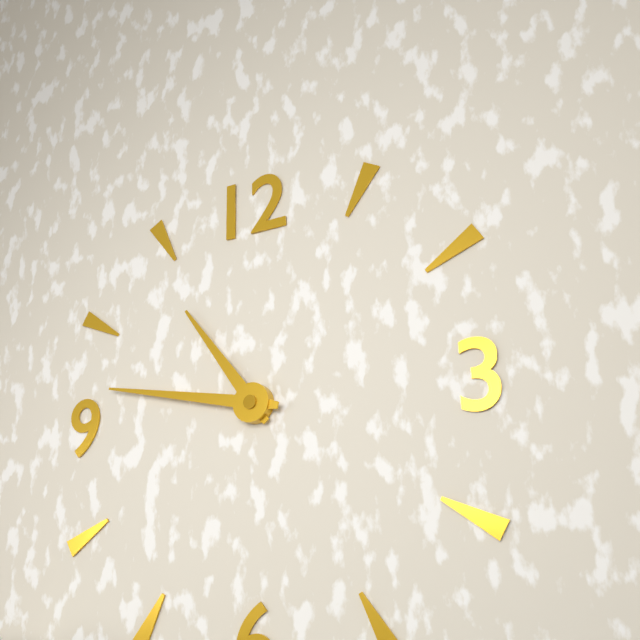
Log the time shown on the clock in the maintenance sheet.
10:47
